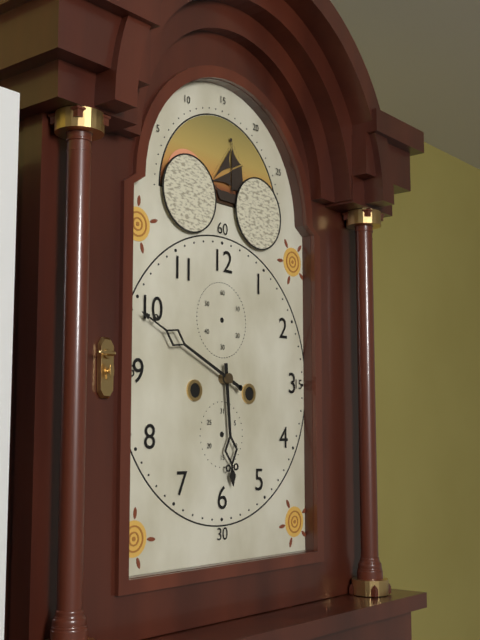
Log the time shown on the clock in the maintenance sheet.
5:49
